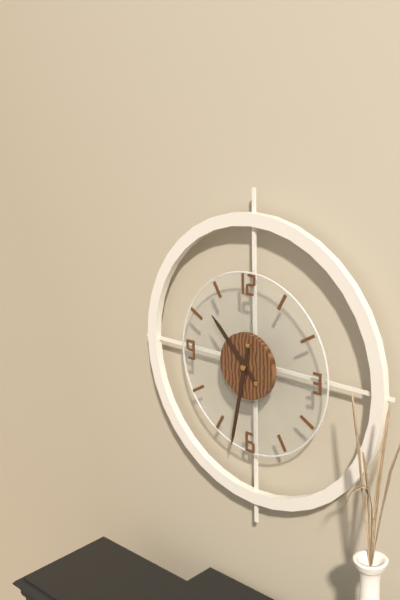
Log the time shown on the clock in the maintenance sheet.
10:32
